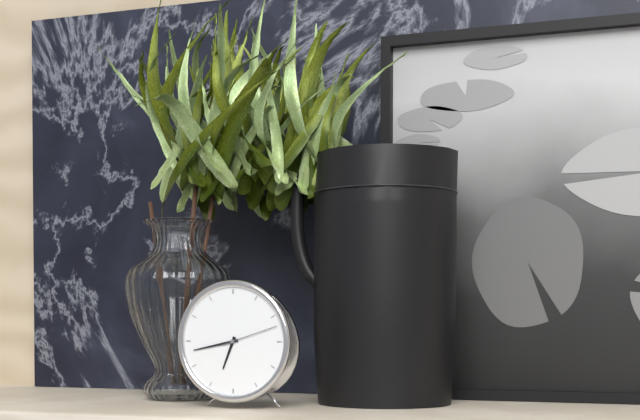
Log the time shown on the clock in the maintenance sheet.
6:43:12
